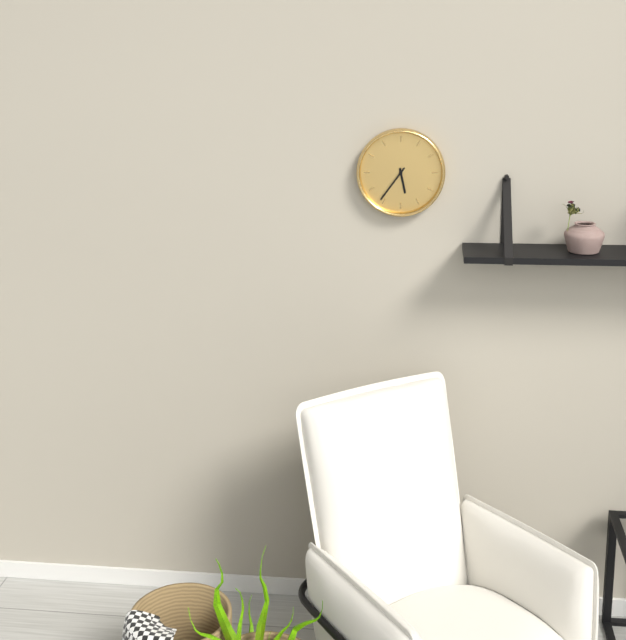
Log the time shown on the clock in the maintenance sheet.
5:36
